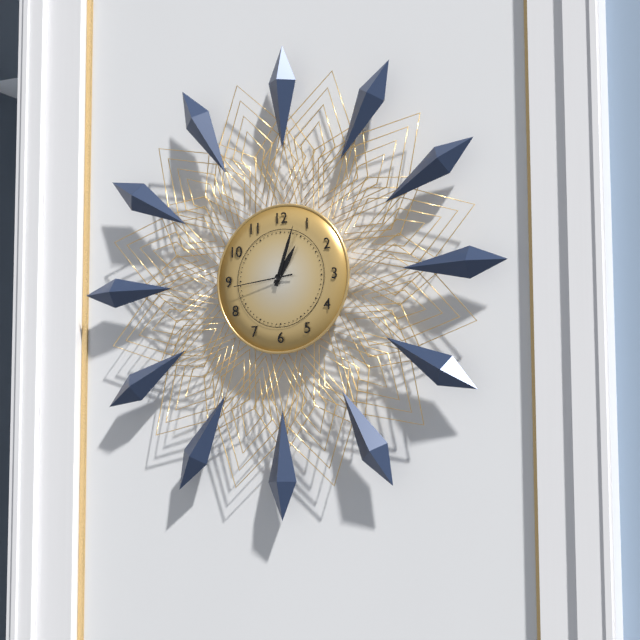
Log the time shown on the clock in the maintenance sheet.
1:03:44
